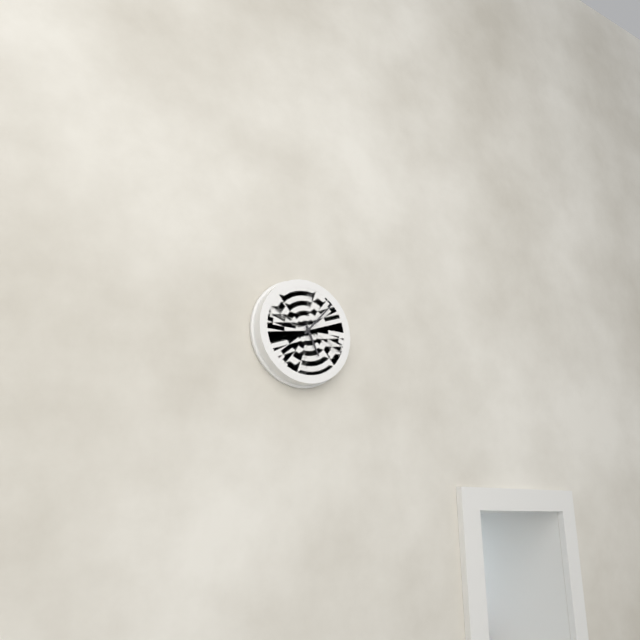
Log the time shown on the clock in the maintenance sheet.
5:07
